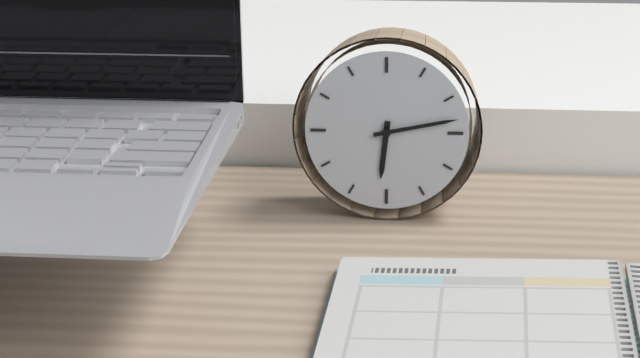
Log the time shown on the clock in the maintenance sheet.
6:13
